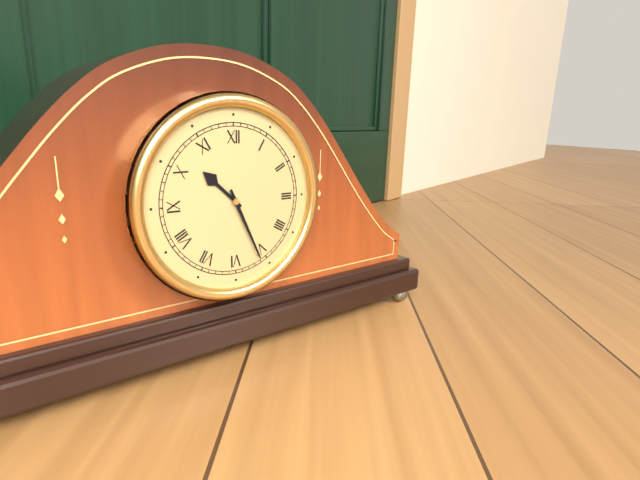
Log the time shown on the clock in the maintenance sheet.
10:26
